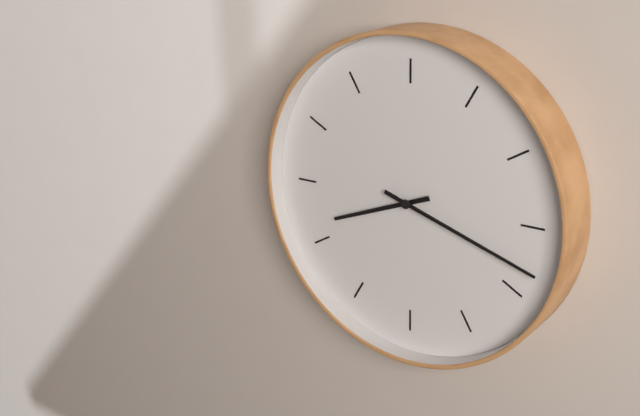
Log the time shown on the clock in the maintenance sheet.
8:18
